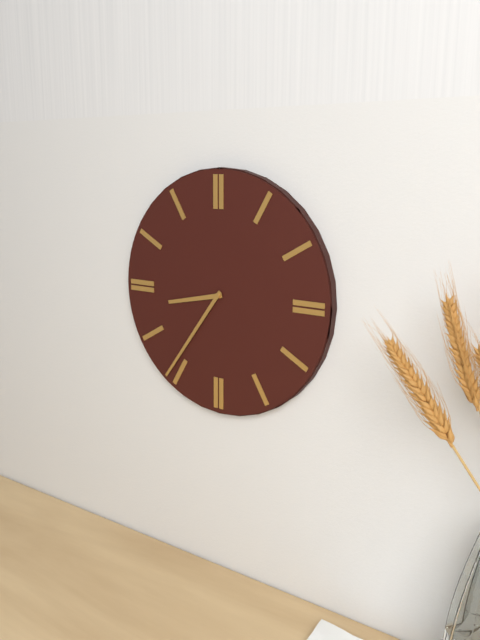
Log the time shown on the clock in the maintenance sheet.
8:36
